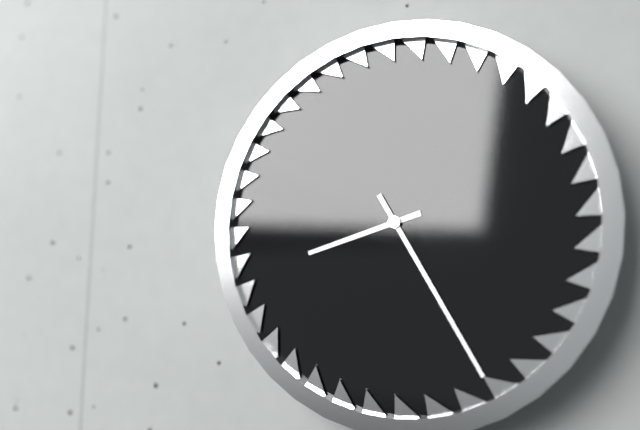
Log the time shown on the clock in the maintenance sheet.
8:25
